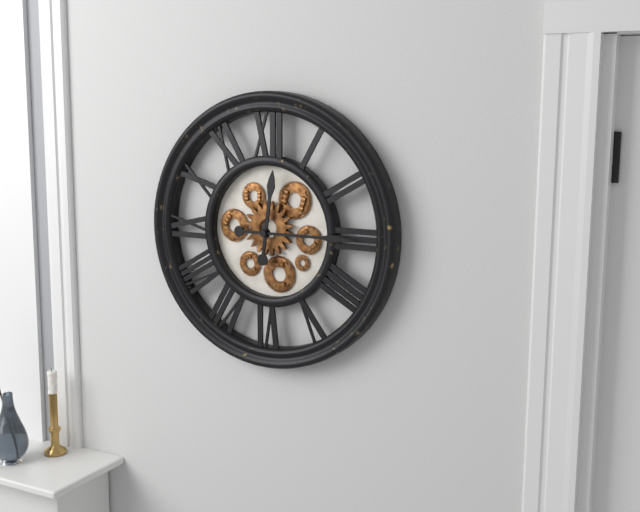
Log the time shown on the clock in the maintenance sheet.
12:15
